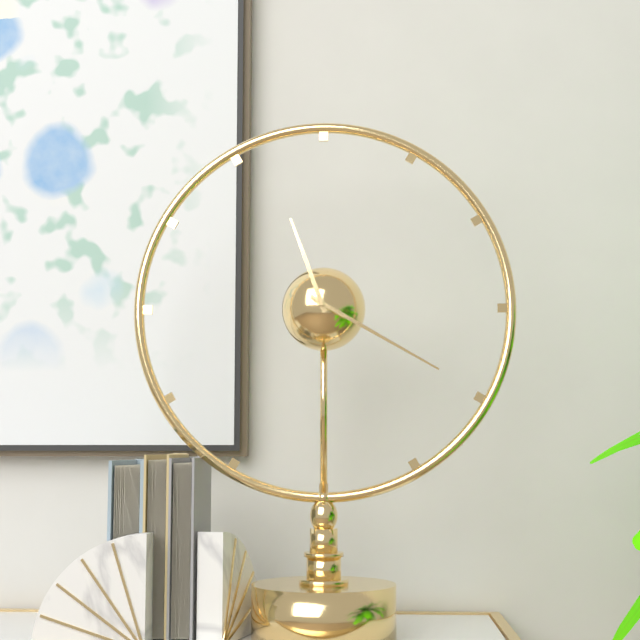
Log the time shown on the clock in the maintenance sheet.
11:20
